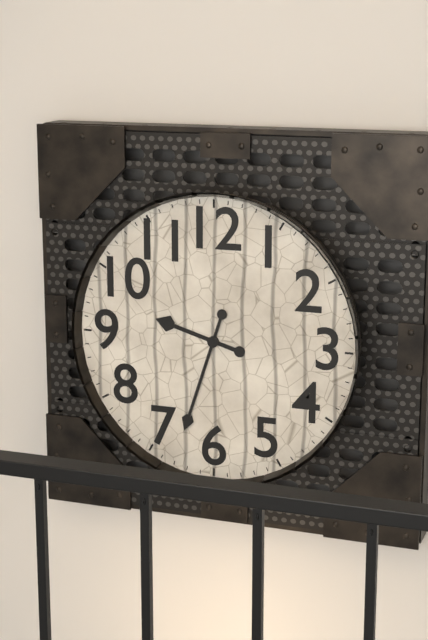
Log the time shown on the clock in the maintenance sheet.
9:33
